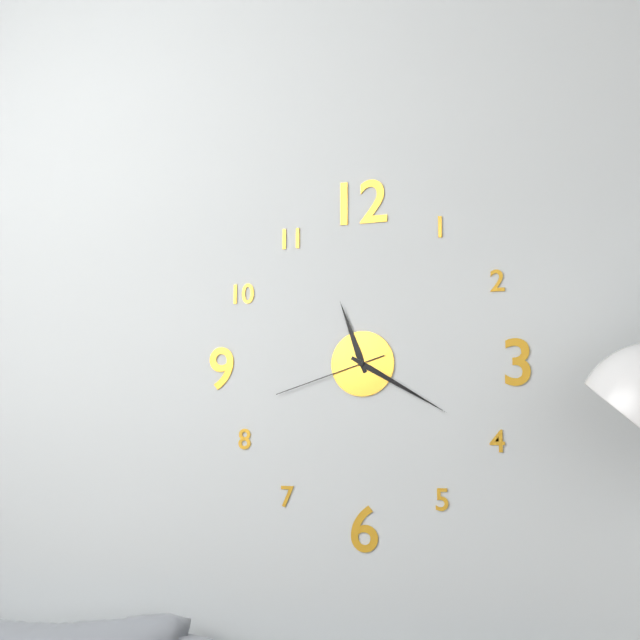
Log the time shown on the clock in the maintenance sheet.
11:20:42
